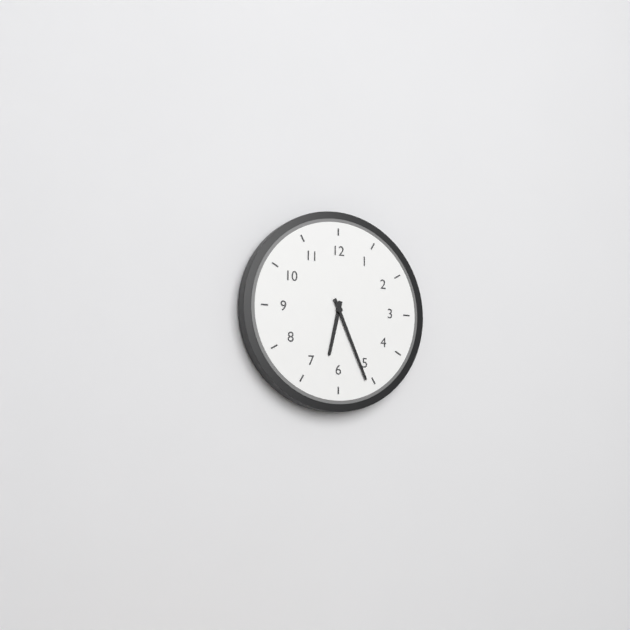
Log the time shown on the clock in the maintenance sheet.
6:26
